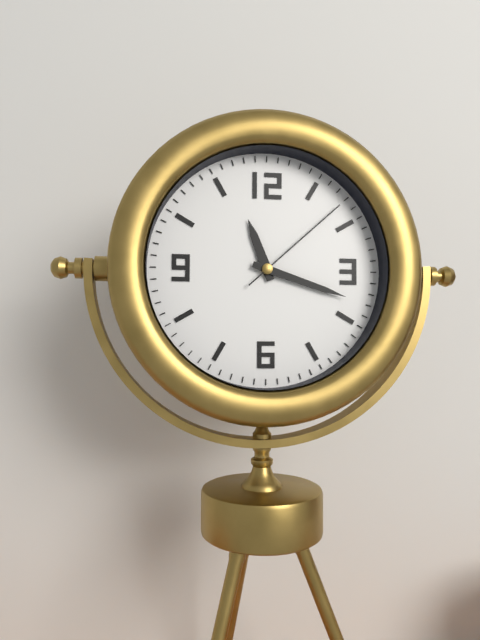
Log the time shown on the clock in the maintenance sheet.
11:18:08
